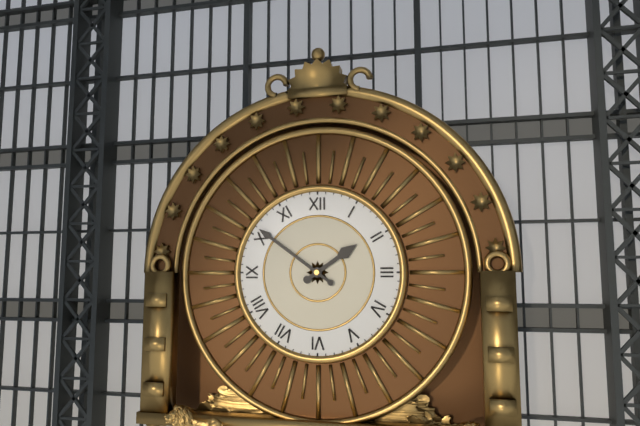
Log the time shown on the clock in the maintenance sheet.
1:51
